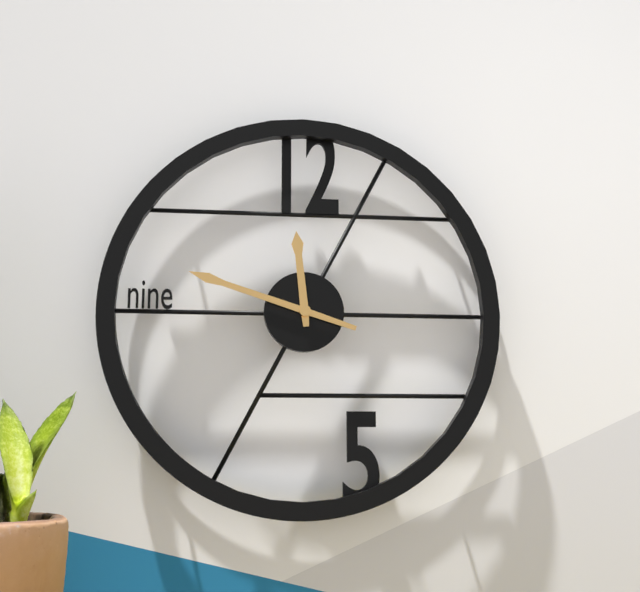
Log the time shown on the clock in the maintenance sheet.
11:48
